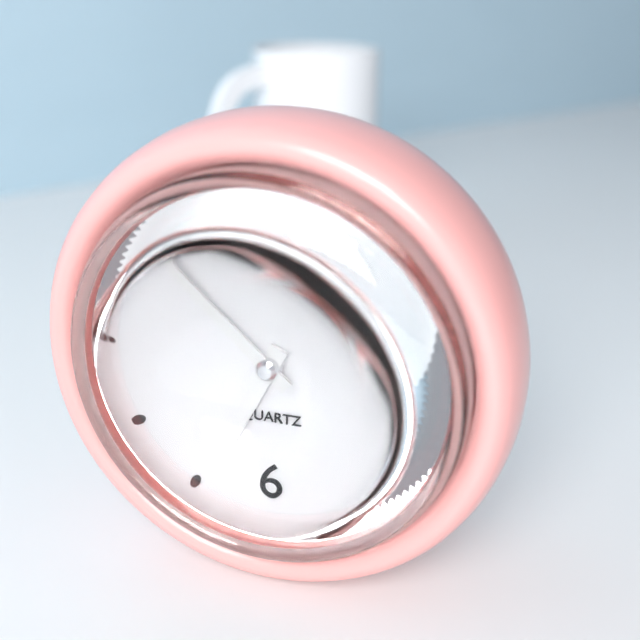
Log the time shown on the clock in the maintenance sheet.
6:52
